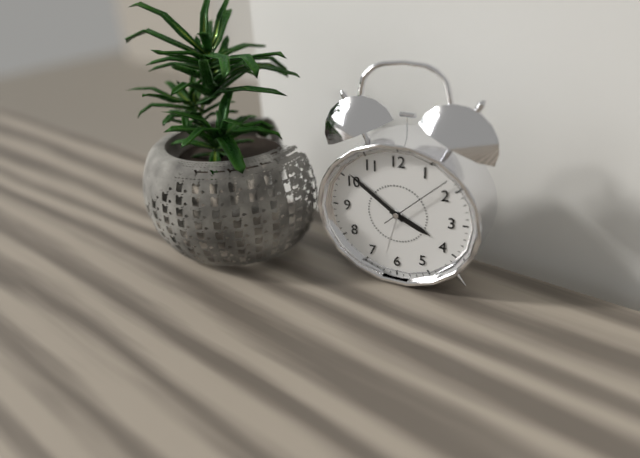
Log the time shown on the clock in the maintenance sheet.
3:51:08
